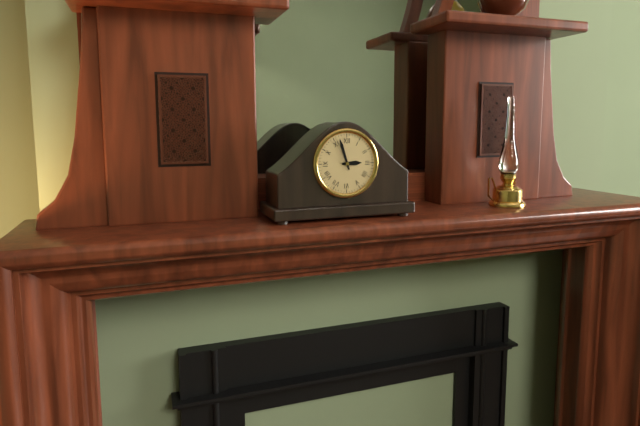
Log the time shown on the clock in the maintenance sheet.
2:57
